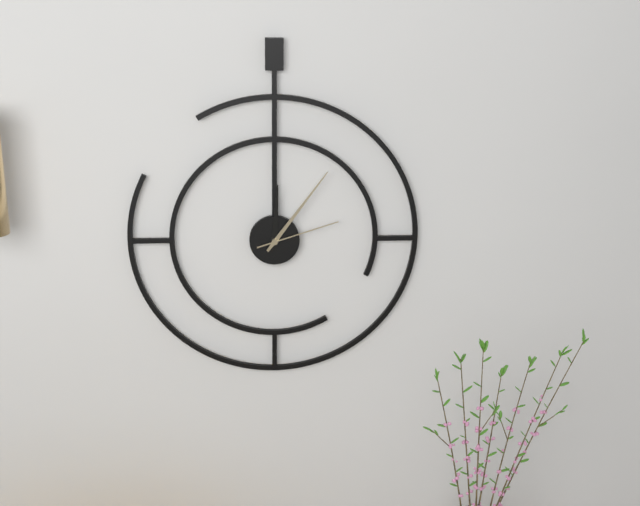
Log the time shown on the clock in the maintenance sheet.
12:06:12
